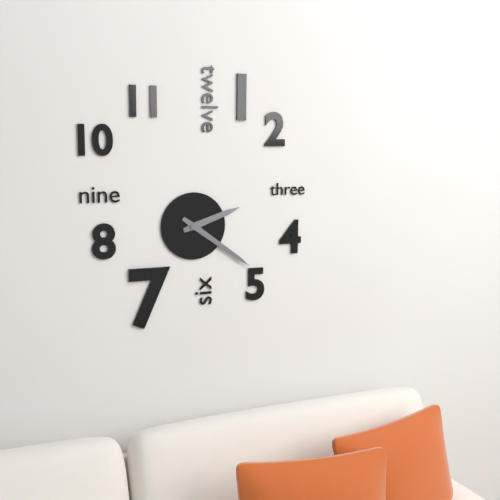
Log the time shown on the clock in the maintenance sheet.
2:21
